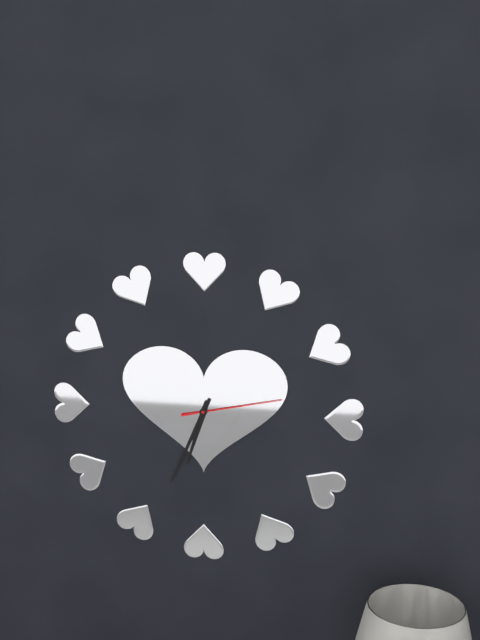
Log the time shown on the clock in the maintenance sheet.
6:34:13
